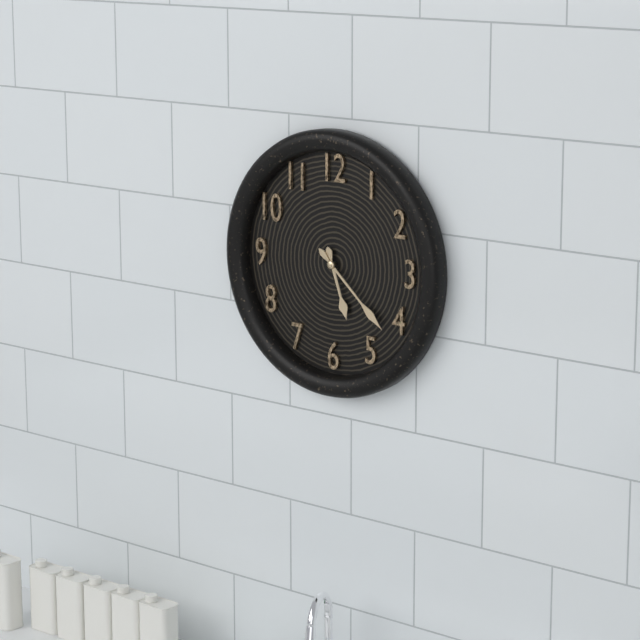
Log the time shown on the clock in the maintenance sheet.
5:22
